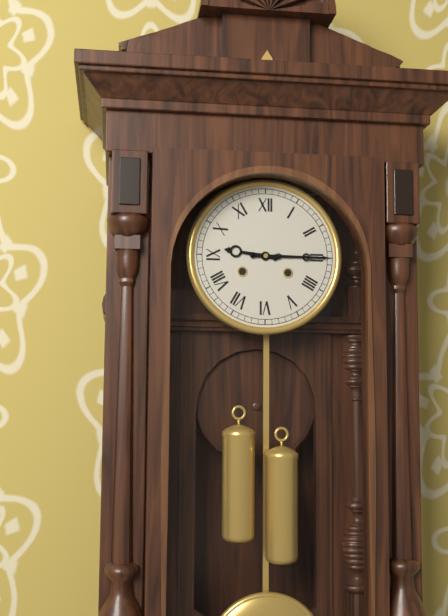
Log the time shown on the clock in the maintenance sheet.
9:15
